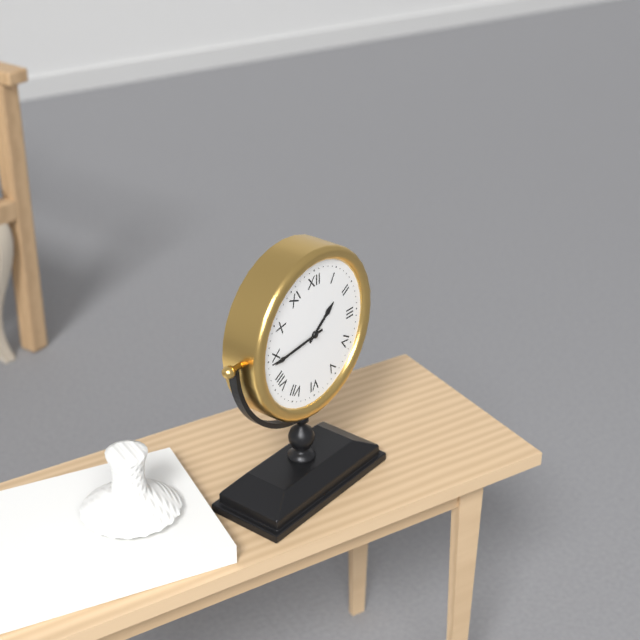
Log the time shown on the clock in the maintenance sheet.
1:44
